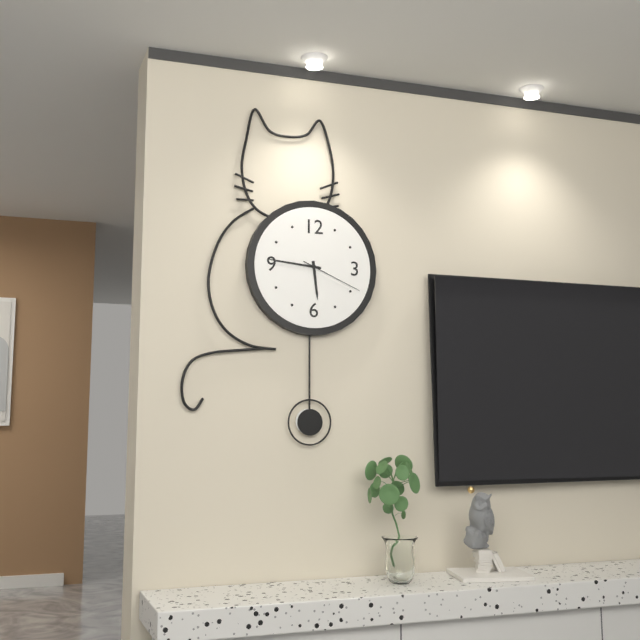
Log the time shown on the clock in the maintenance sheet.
5:46:19
